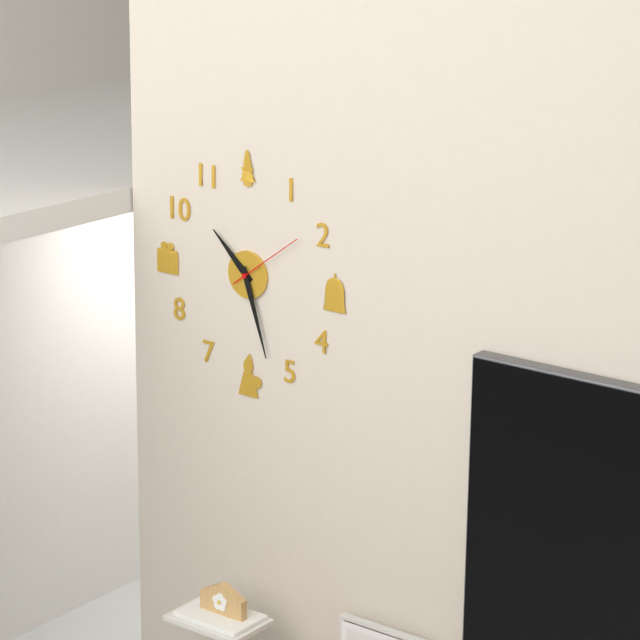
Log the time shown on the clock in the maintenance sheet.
10:27:09
